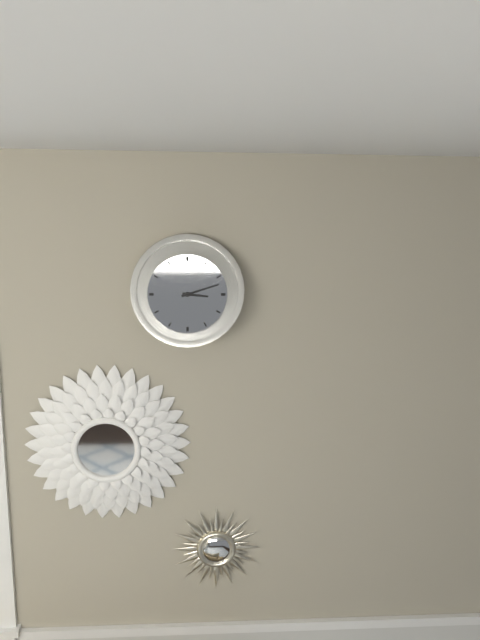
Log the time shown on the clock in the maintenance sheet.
3:12
